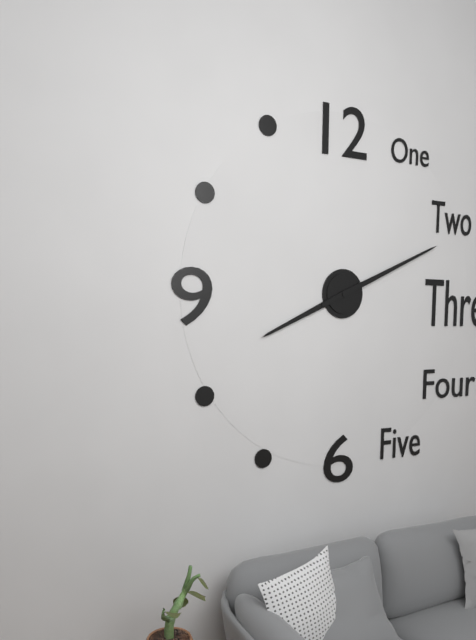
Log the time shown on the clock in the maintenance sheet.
8:11
